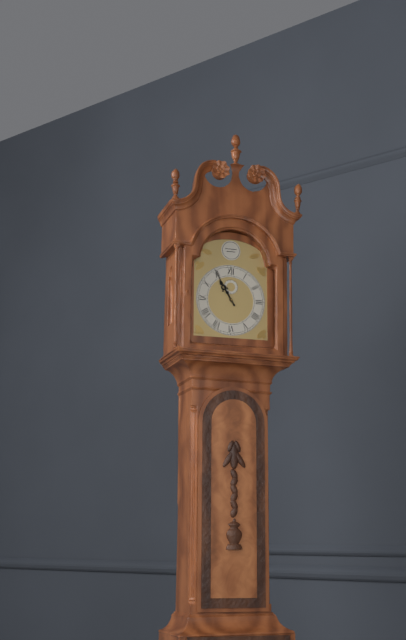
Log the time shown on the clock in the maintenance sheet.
10:55
